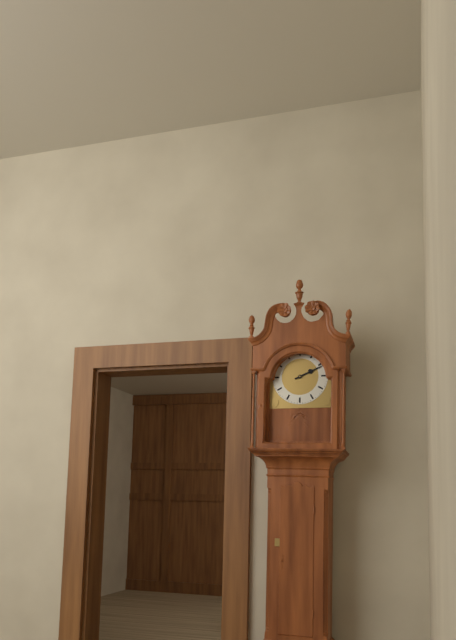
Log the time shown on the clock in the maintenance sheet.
2:11
